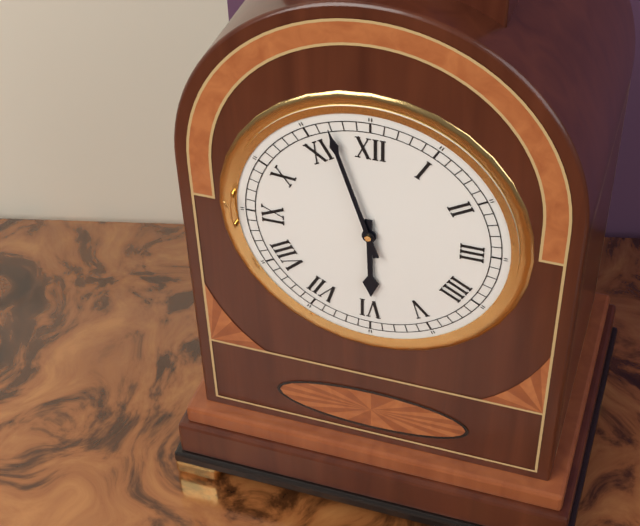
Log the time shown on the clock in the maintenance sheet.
5:57
